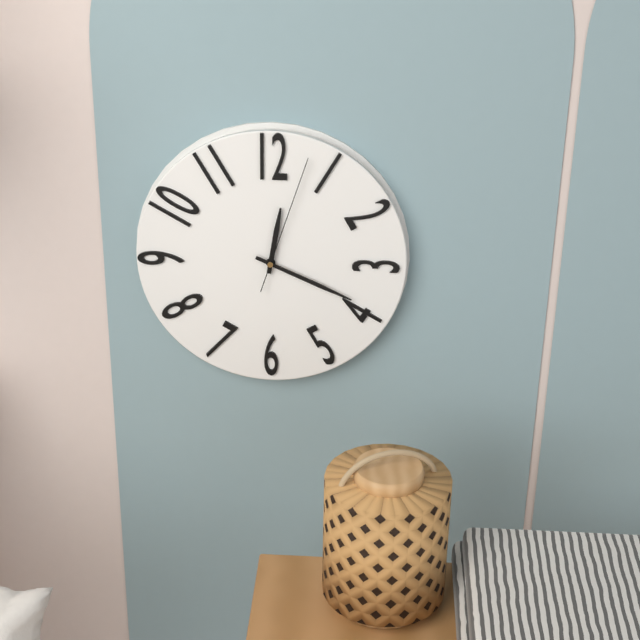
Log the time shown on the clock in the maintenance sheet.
12:19:03
